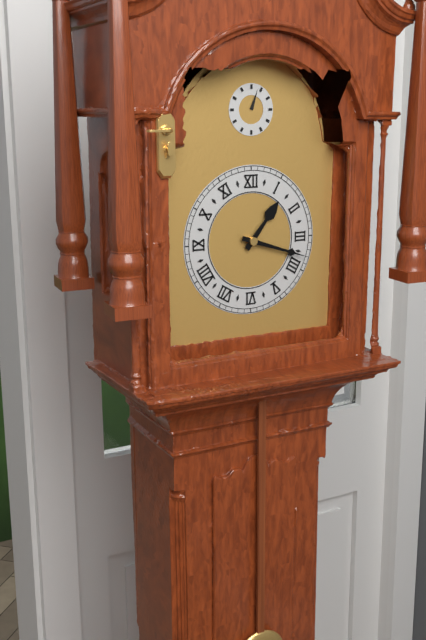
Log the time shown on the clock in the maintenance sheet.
1:18
